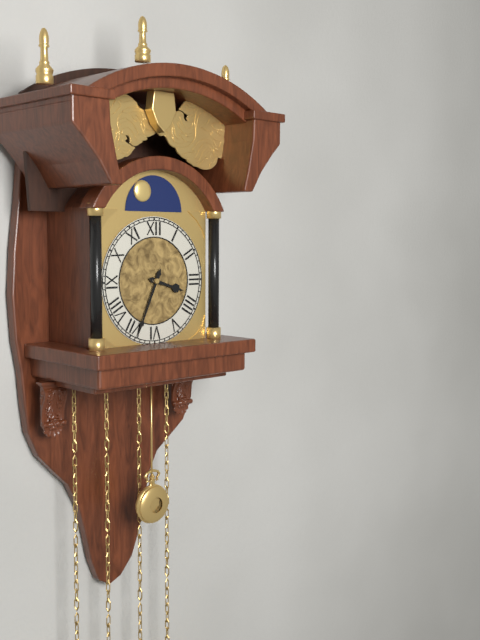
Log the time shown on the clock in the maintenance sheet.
3:34
